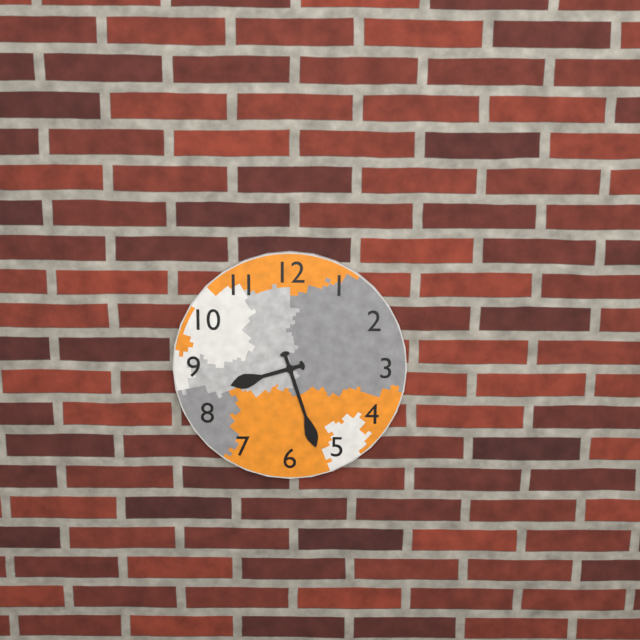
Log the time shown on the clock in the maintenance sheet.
8:27
